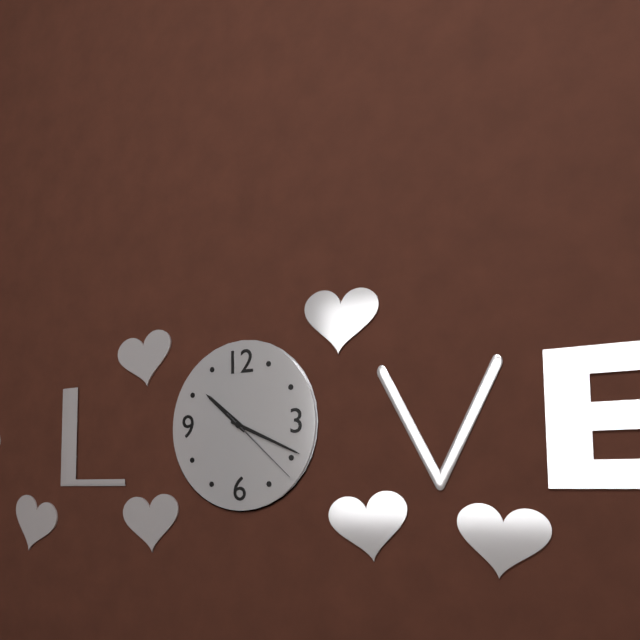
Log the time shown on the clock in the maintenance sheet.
10:19:22
